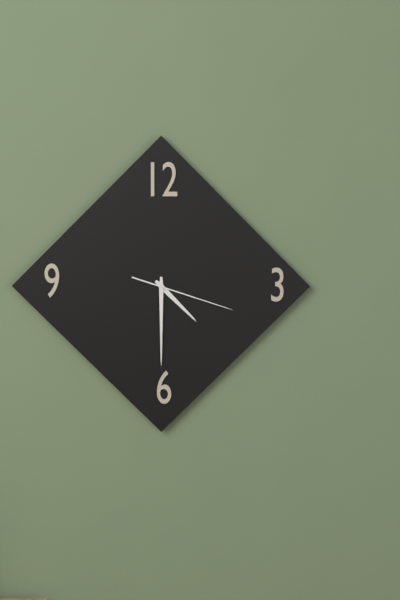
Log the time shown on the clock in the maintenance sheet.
4:30:18
